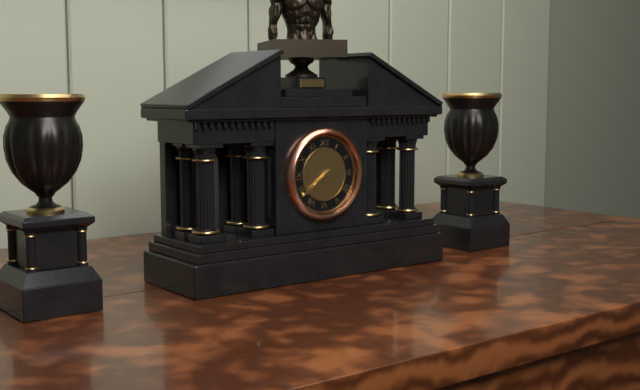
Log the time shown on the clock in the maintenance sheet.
7:39
